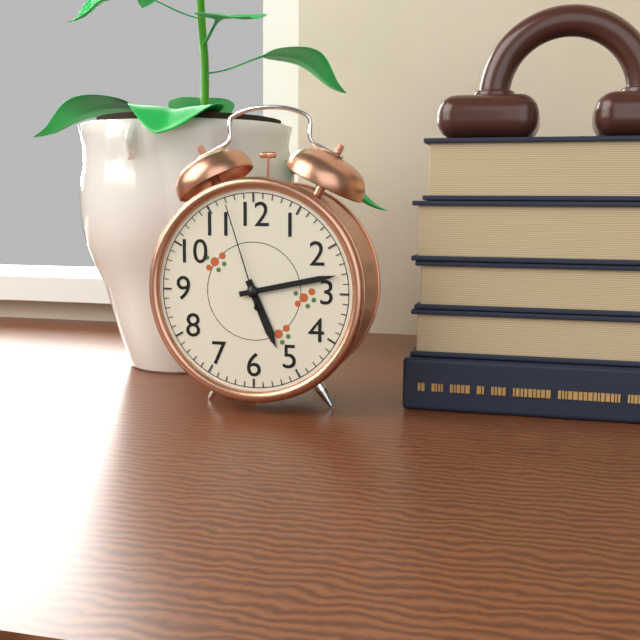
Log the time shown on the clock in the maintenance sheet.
5:13:57
